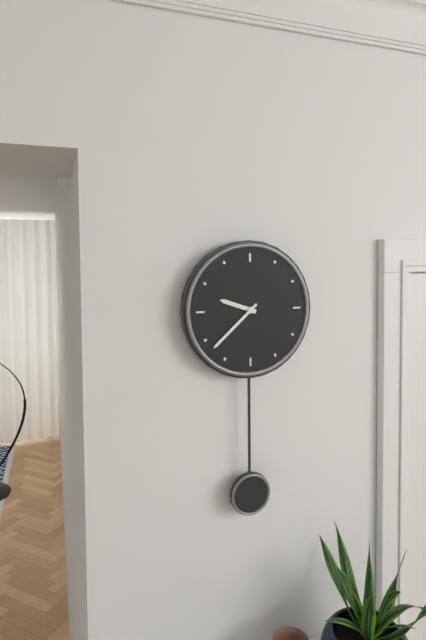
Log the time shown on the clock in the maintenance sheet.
9:38
